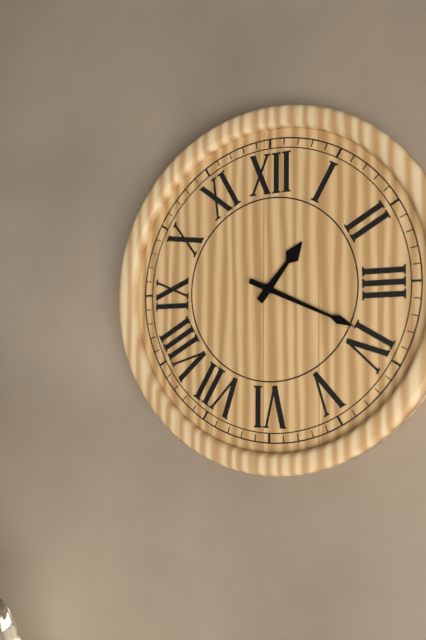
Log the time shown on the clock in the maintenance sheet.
1:19
